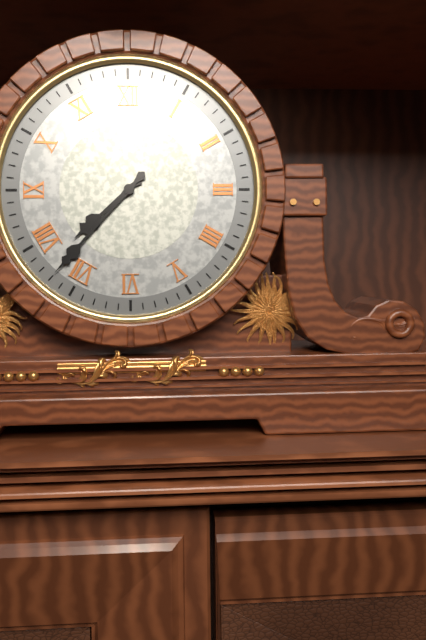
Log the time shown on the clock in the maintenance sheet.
7:37
